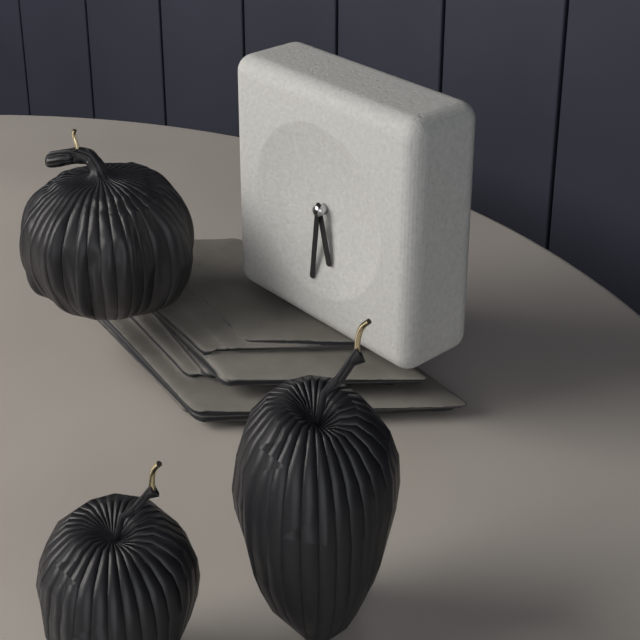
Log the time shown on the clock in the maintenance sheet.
5:31
